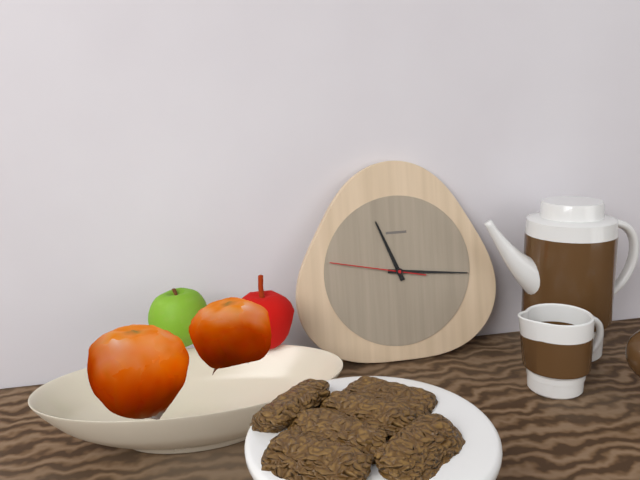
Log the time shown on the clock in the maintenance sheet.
11:16:47
